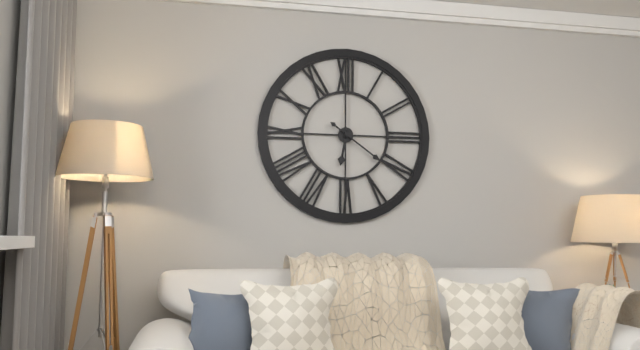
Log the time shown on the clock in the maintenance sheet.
6:21
